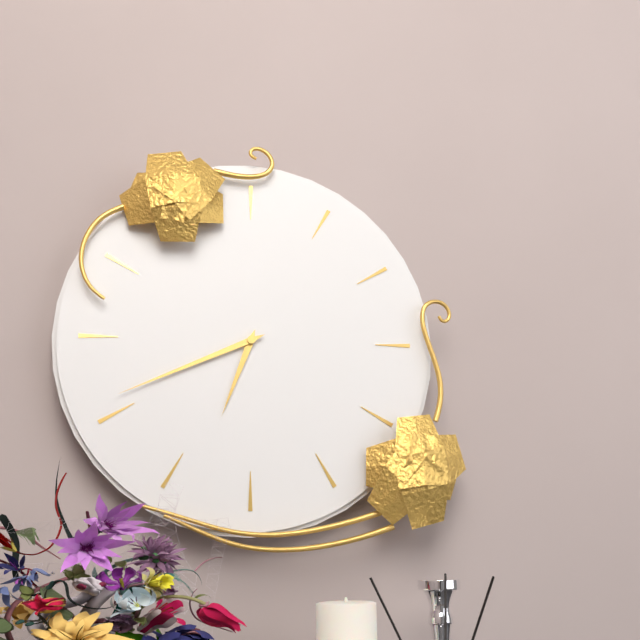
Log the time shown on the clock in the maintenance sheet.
6:41
